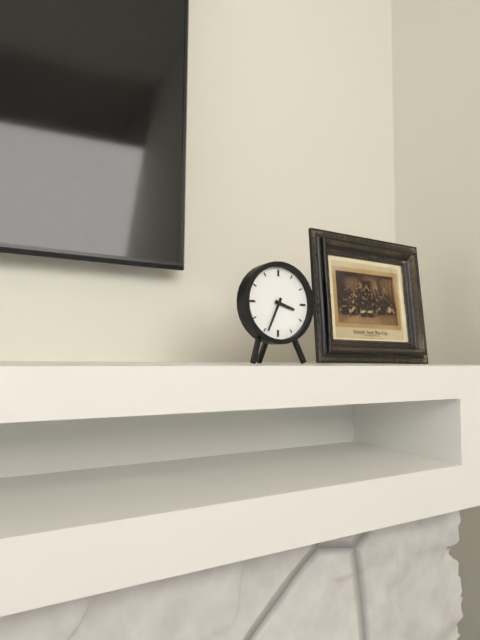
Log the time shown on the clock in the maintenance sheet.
3:34
